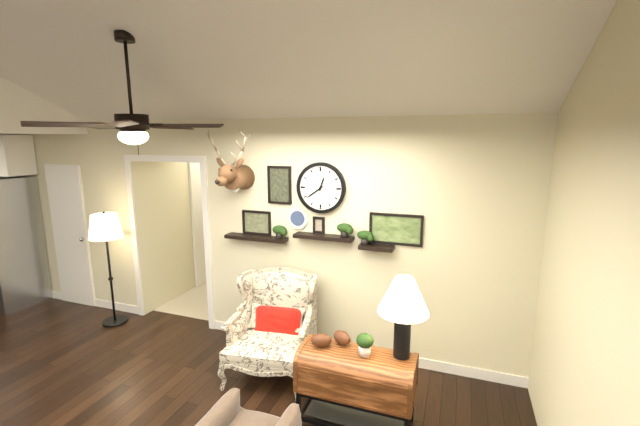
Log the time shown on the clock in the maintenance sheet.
12:39
